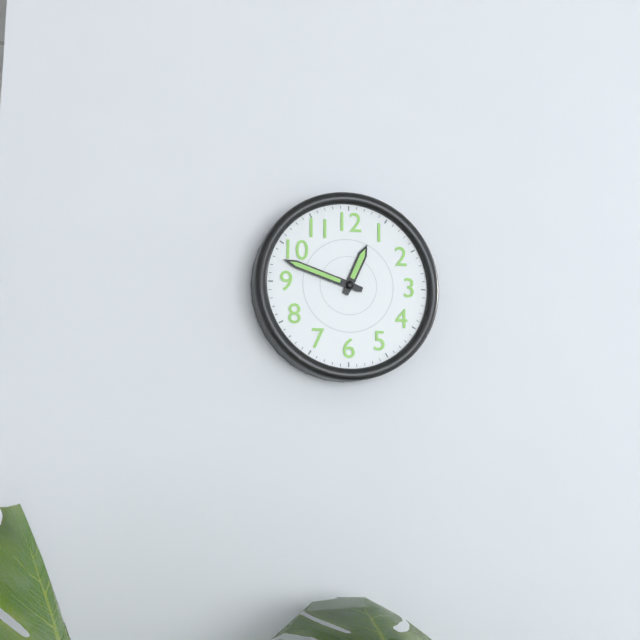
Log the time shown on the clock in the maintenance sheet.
12:48
